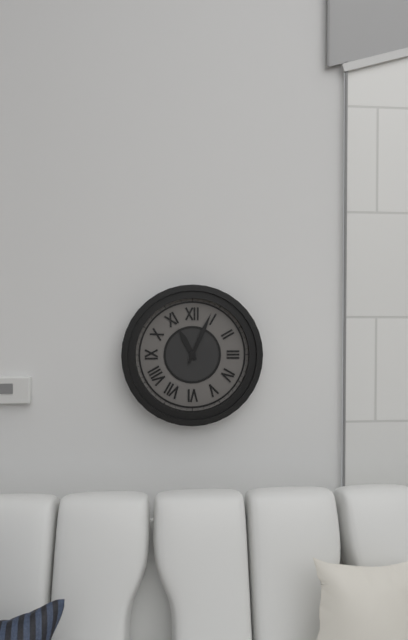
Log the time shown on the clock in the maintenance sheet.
11:04
